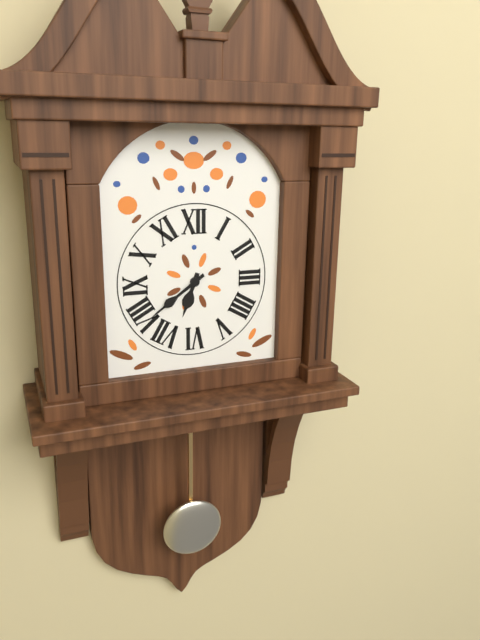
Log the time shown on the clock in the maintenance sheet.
6:39
